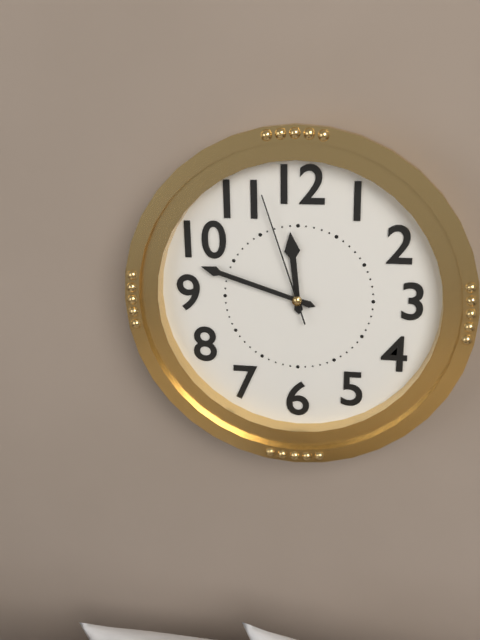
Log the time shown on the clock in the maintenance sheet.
11:48:57
